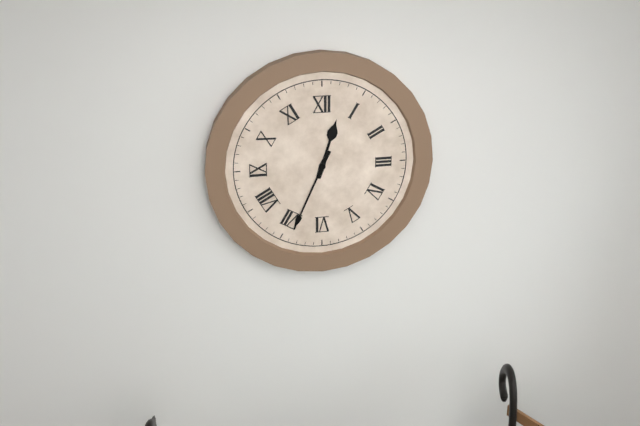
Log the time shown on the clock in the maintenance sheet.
12:34
